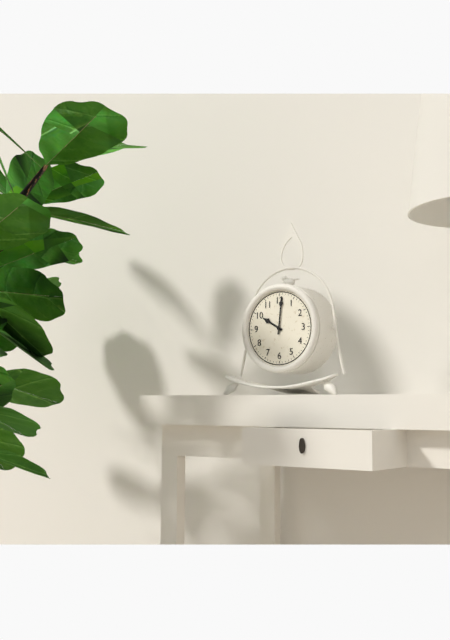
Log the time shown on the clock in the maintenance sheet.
10:01
